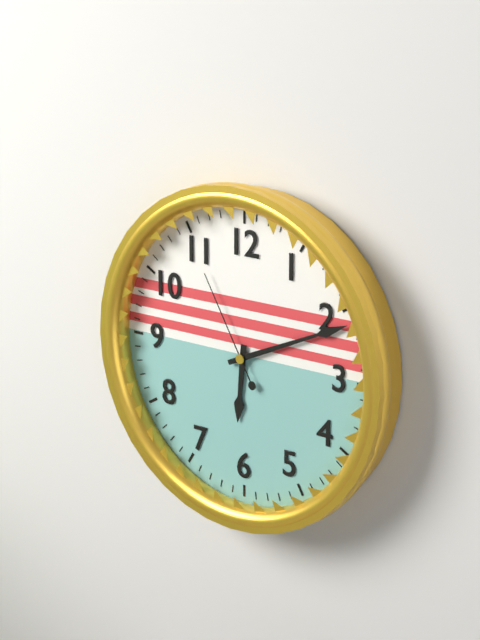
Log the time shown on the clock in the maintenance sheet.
6:11:55
